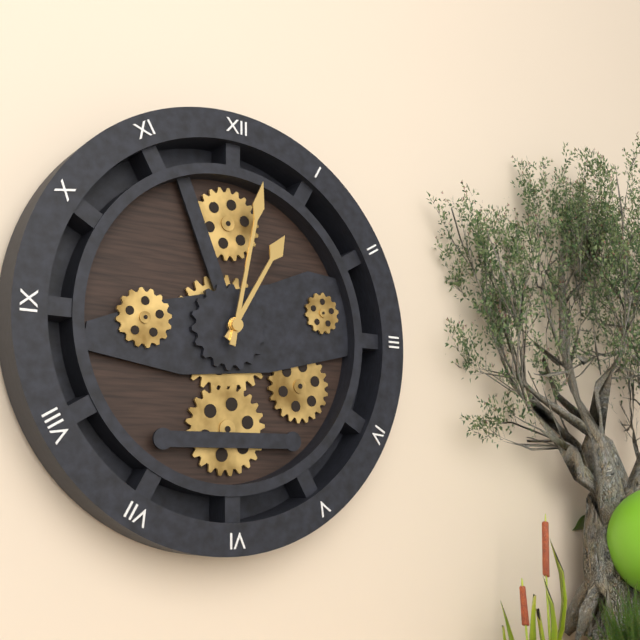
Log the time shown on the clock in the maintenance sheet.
1:02
